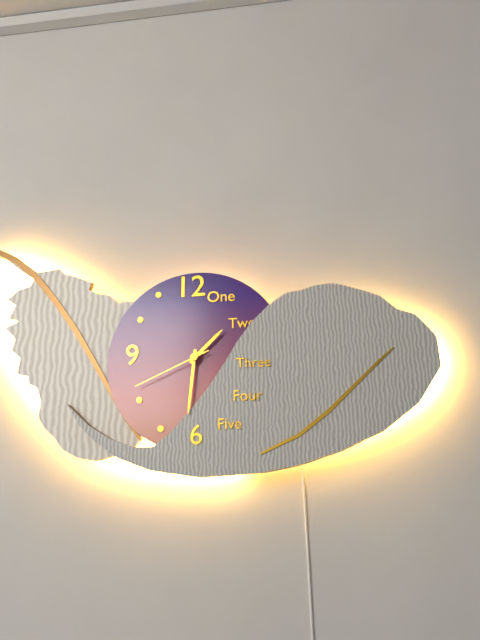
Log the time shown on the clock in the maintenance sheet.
1:31:41
